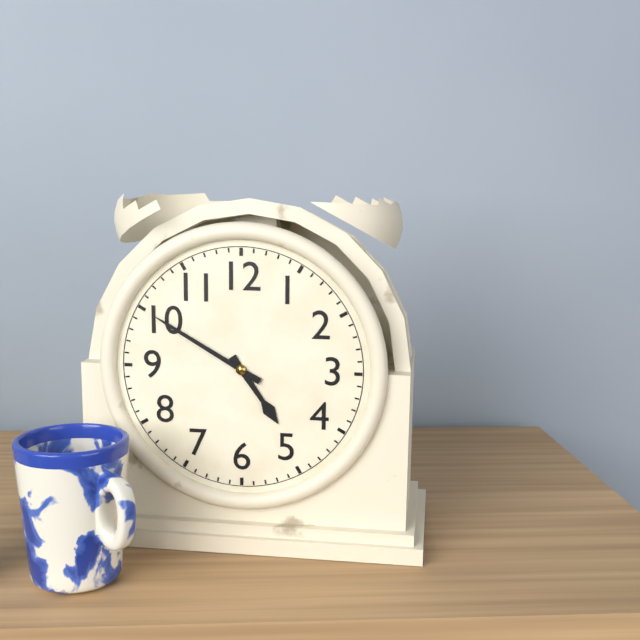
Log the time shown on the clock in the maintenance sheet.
4:50
